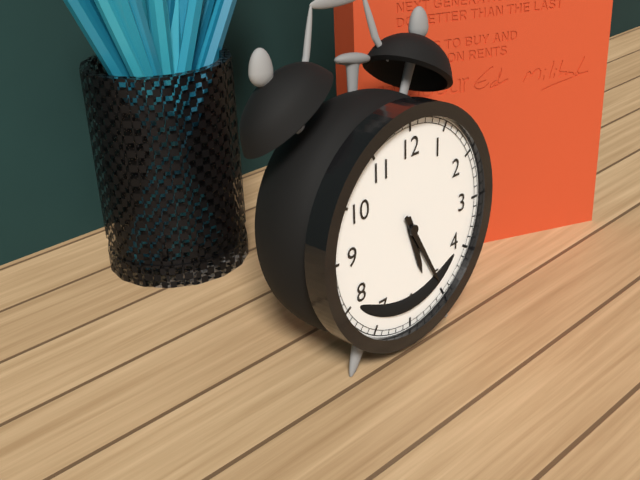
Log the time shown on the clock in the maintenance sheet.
5:25
